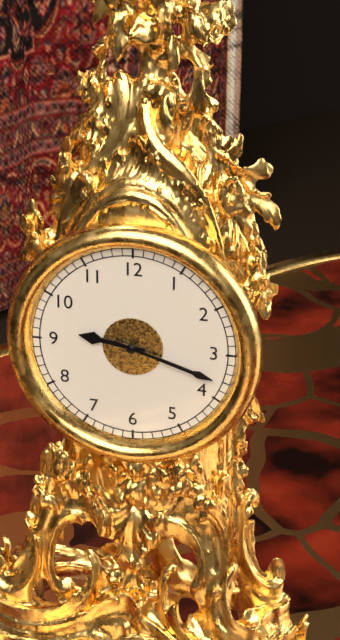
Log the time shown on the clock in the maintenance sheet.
9:18
